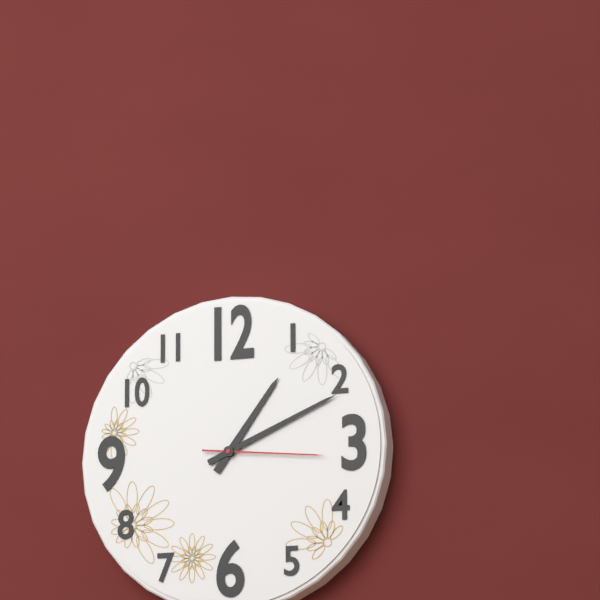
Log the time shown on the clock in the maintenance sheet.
1:11:16
